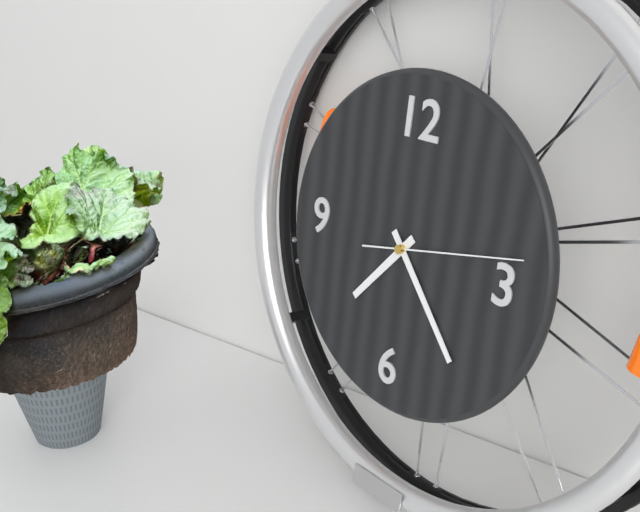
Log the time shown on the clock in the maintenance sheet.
7:23:13
